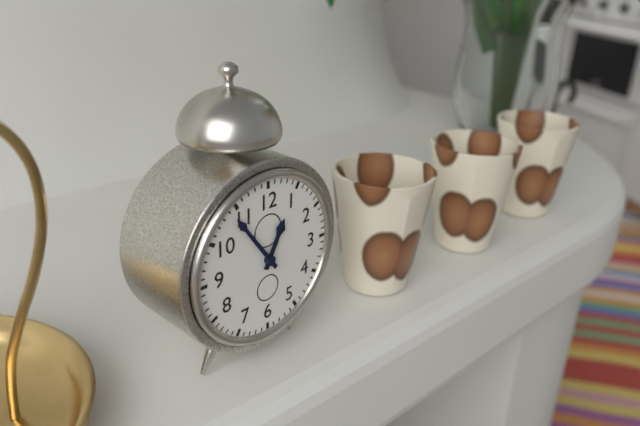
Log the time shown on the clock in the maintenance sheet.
12:54
